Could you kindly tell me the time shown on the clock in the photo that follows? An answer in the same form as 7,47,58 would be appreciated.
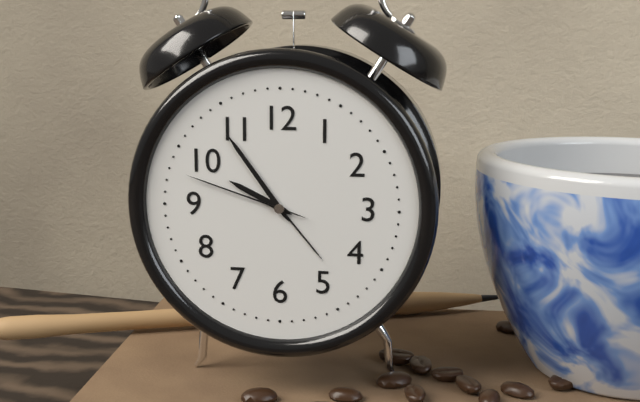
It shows 9,54,48
